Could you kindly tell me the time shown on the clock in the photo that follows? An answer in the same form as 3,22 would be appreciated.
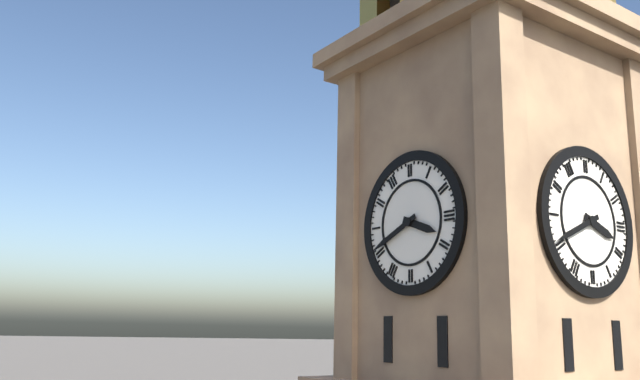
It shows 3,41
